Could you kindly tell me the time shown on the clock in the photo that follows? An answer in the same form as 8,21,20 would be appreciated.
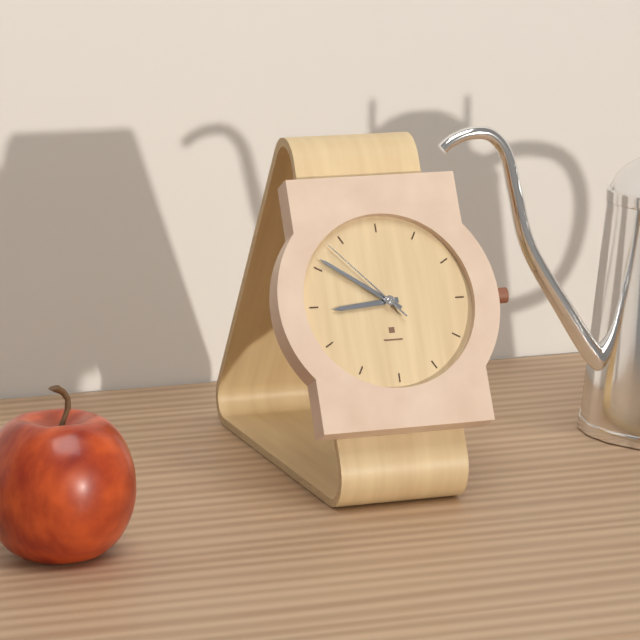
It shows 8,51,53
